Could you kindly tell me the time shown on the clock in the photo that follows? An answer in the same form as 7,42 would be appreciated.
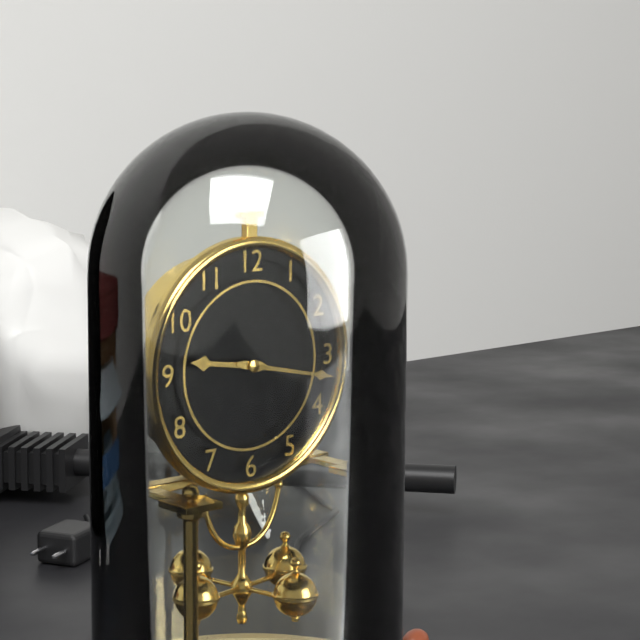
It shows 9,17
